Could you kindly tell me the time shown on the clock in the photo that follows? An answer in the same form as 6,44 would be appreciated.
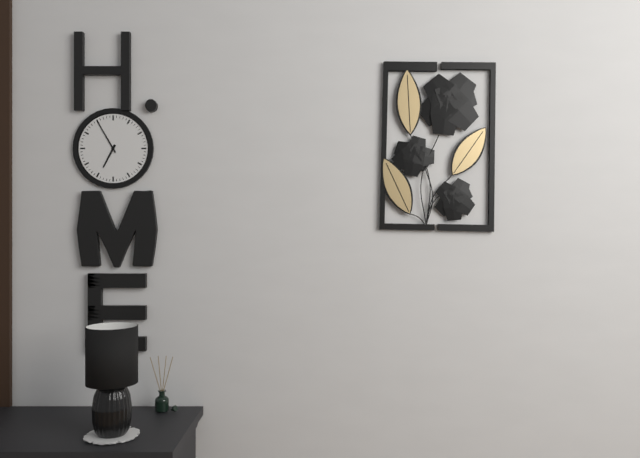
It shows 6,55
